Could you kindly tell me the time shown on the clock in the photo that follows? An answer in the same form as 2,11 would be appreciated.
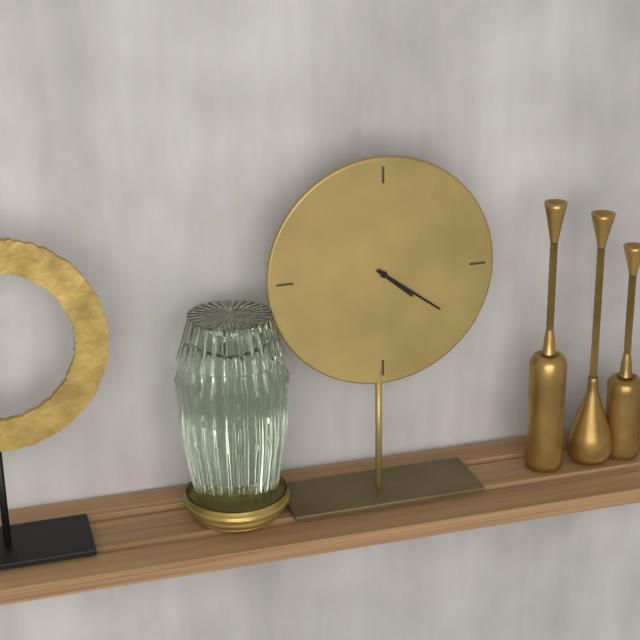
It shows 4,21
